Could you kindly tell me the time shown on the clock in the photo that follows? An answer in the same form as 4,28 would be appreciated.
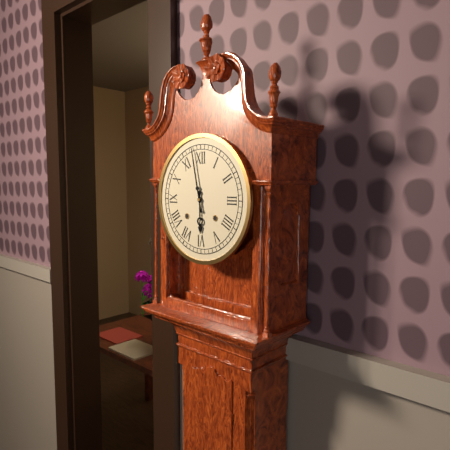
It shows 5,58
